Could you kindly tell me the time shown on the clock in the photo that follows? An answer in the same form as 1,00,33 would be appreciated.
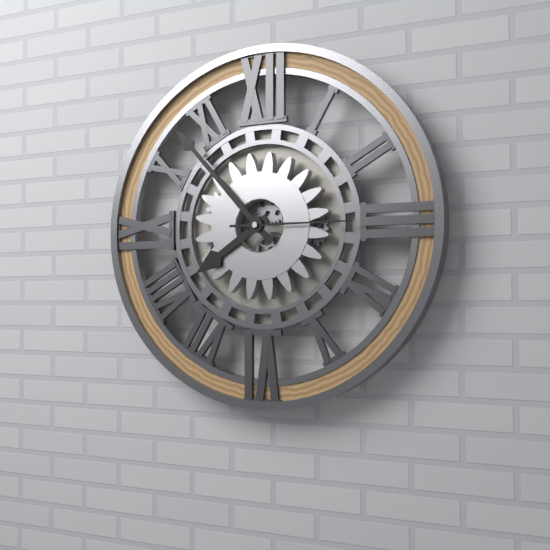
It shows 7,53,15
